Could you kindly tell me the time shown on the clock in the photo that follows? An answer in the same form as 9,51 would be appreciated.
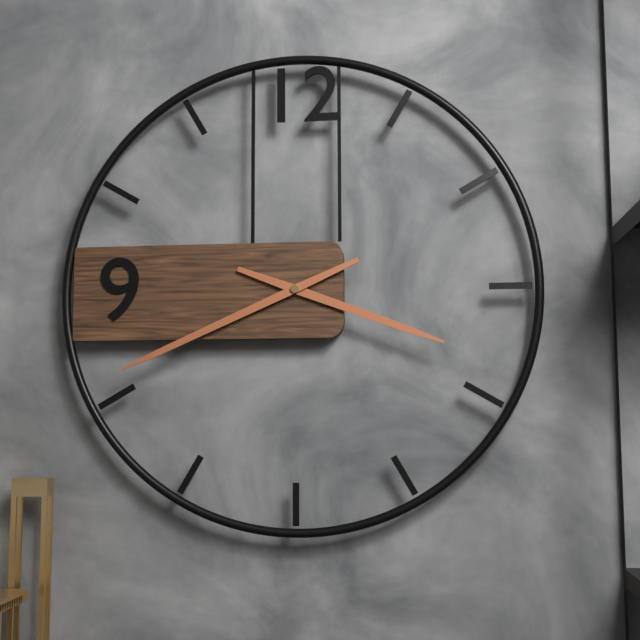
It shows 3,41
